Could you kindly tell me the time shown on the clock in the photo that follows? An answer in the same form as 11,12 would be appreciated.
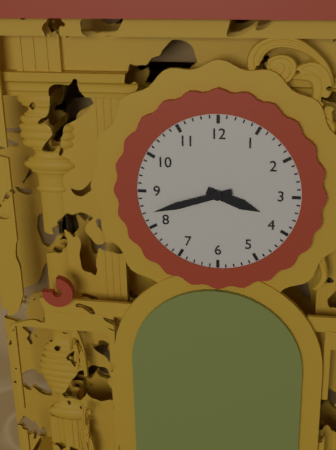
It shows 3,42
